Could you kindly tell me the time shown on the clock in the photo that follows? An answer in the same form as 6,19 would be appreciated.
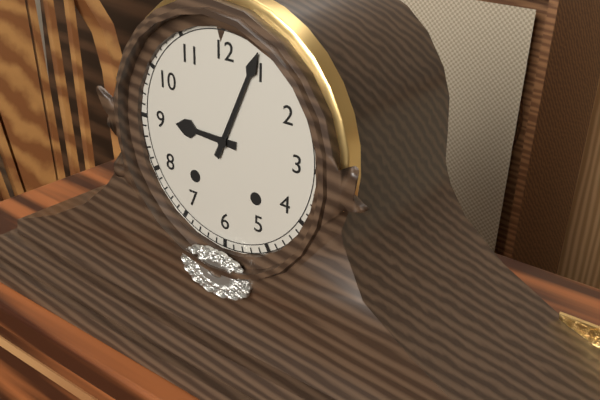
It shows 9,04
